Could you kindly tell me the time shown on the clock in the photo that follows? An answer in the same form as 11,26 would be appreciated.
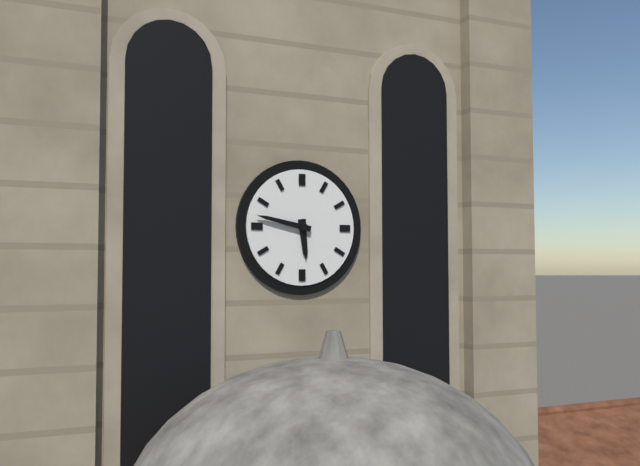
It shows 5,47
